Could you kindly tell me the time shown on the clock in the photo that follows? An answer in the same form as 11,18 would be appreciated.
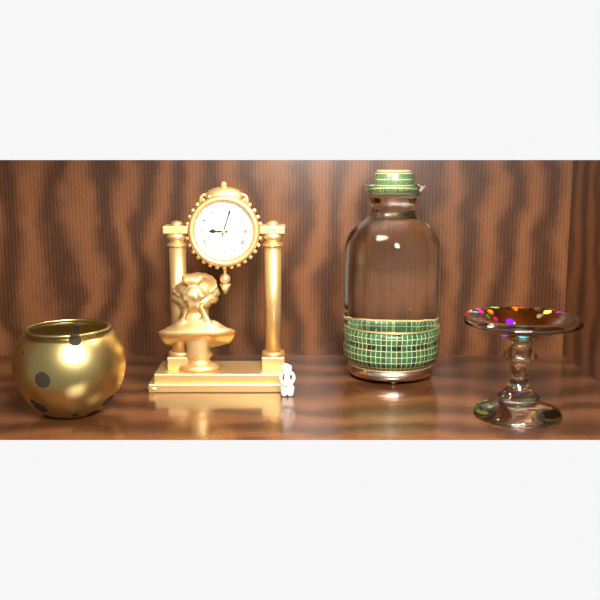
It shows 9,03
